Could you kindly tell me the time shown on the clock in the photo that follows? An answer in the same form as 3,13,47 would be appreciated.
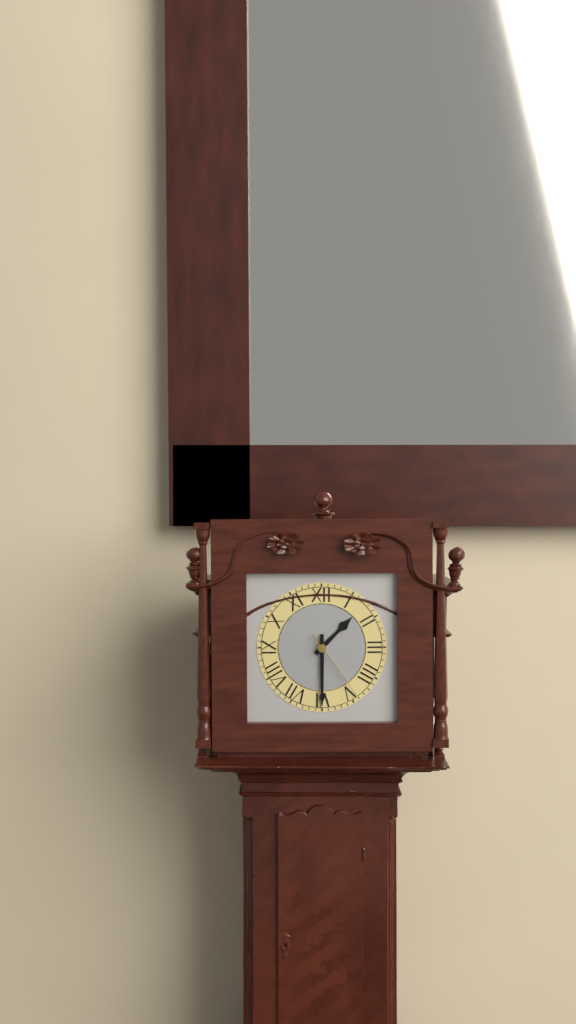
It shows 1,30,24
